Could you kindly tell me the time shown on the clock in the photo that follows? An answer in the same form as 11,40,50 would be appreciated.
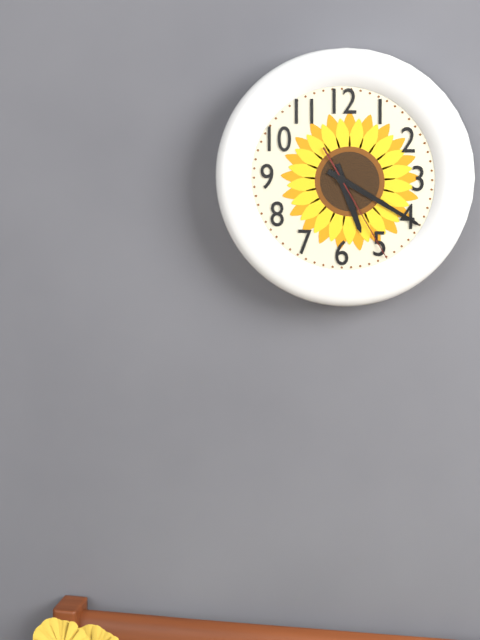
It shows 5,20,25
